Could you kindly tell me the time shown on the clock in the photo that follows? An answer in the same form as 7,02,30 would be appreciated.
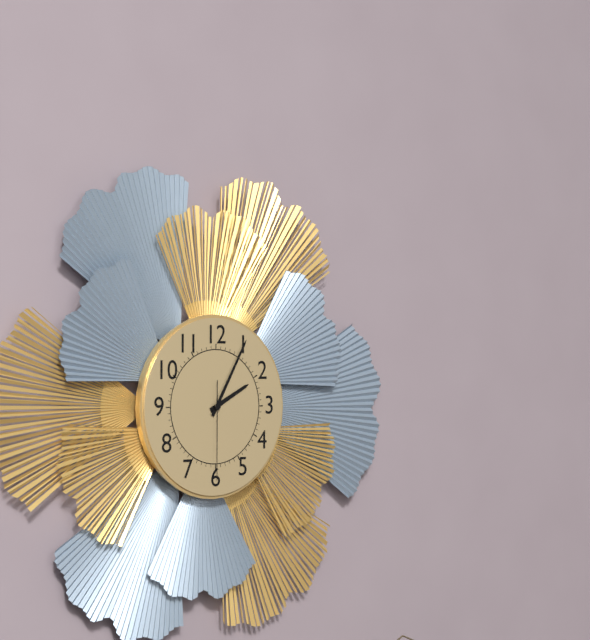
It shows 2,05,30
